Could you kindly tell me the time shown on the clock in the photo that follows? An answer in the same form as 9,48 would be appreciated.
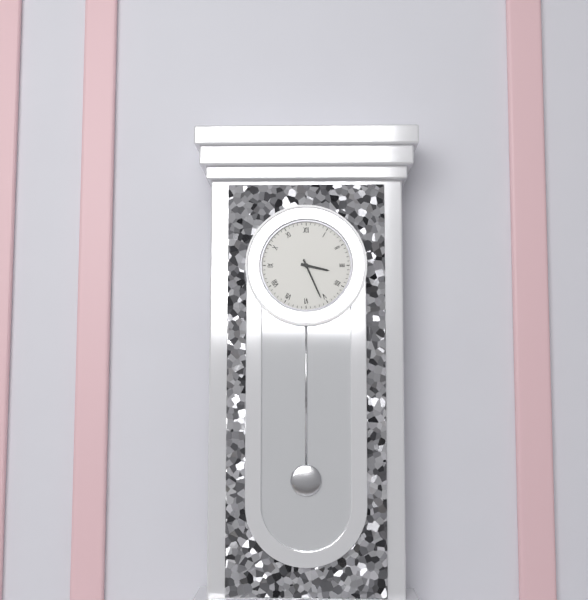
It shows 3,26
